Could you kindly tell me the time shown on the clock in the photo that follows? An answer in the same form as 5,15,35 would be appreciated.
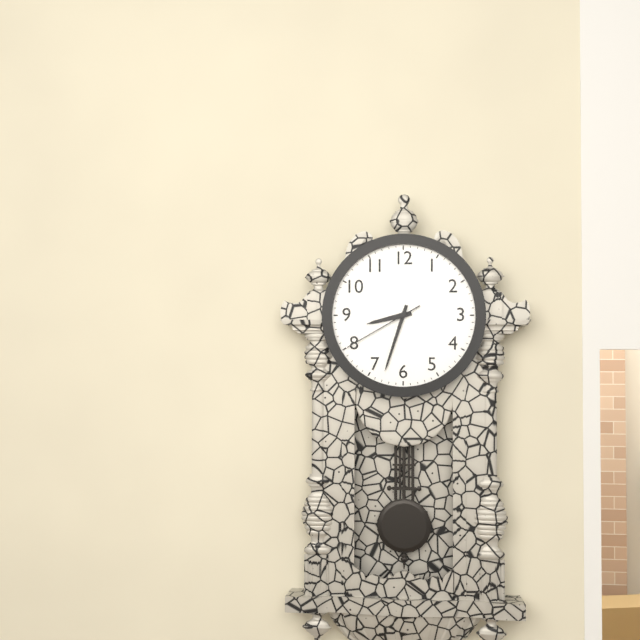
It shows 8,33,40
